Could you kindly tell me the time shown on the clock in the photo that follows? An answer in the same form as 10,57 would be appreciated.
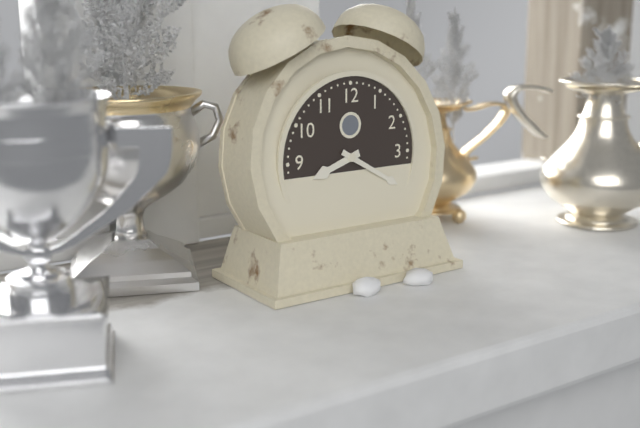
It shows 8,20
